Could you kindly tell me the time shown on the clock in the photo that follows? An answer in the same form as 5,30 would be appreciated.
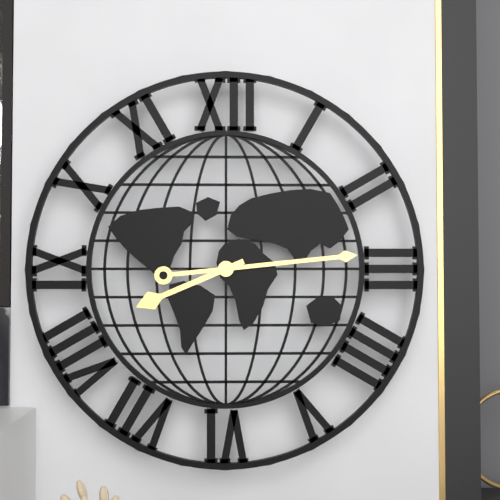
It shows 8,14
